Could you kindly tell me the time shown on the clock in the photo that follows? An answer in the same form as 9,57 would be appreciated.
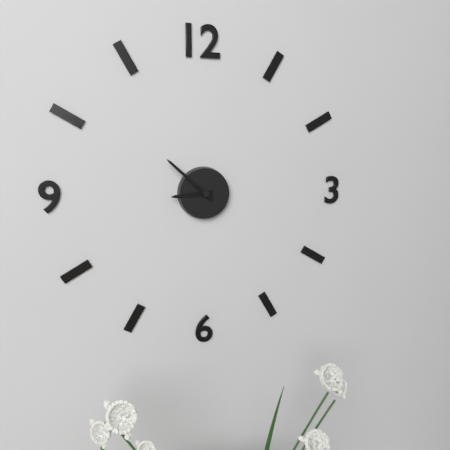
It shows 8,52
